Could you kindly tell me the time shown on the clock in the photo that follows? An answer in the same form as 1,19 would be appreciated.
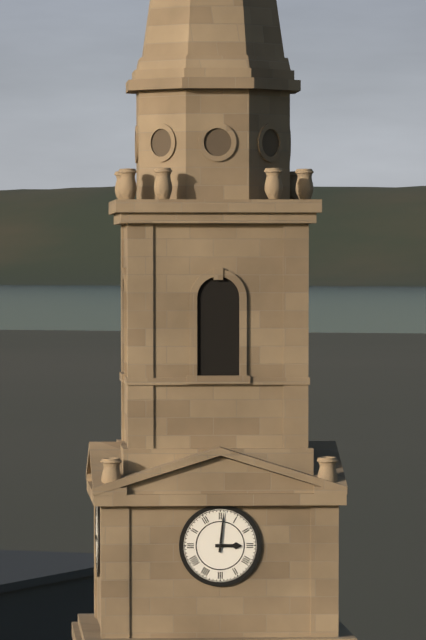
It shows 3,01
